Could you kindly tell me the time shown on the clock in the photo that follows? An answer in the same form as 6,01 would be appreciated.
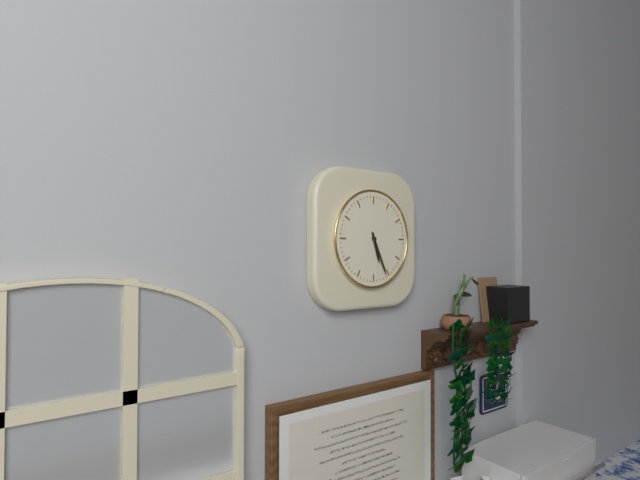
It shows 5,26
